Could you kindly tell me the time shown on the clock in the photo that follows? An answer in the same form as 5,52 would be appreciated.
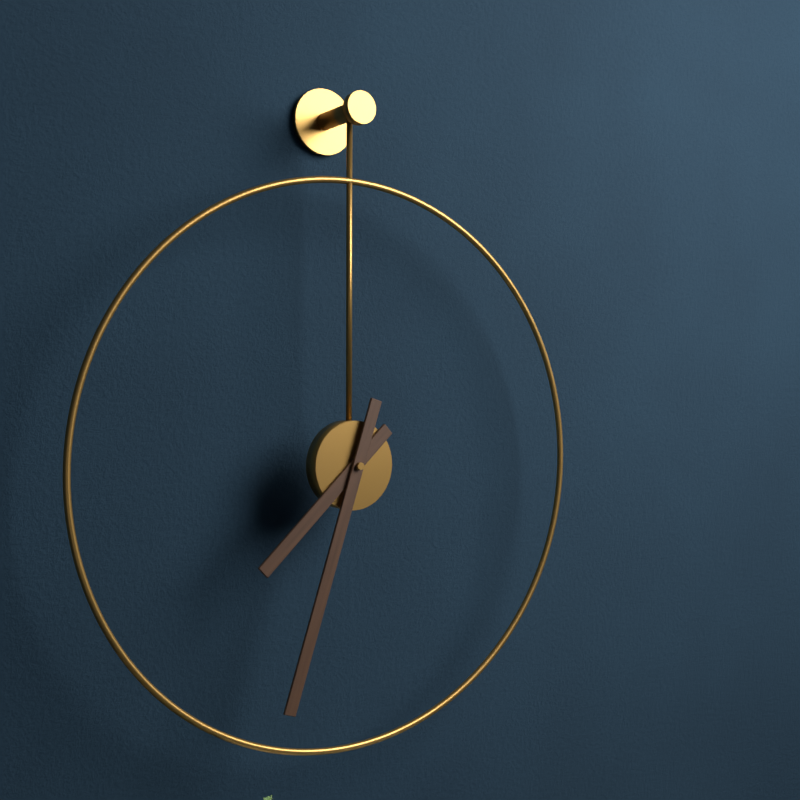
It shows 7,33
